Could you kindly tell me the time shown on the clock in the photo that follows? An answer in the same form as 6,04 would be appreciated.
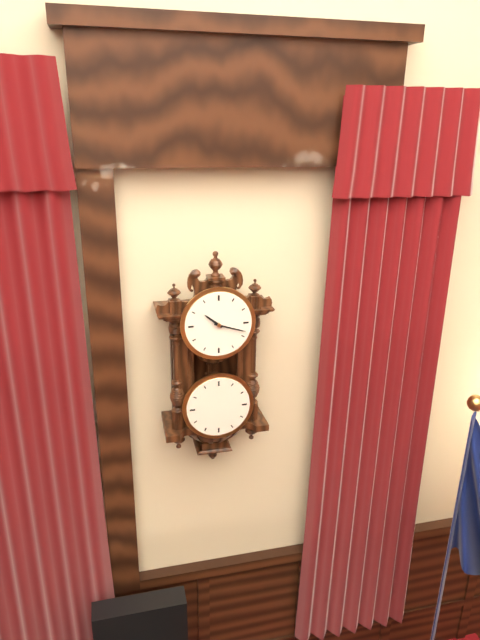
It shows 10,18
